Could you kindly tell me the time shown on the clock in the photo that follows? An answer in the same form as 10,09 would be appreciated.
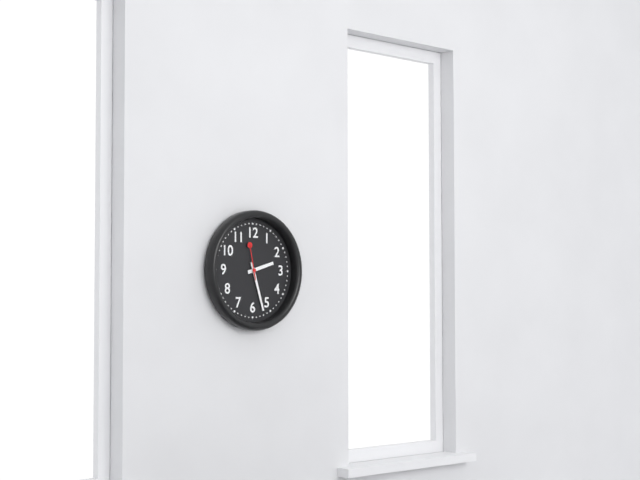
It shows 2,27
